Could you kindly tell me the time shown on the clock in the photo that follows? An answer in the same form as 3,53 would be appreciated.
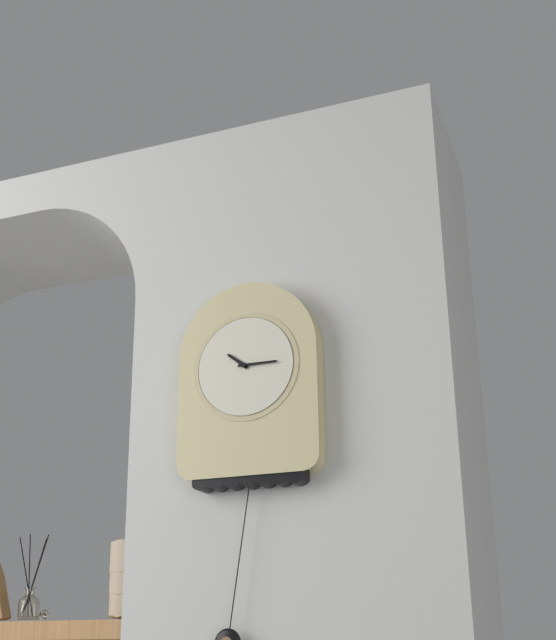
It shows 10,15
